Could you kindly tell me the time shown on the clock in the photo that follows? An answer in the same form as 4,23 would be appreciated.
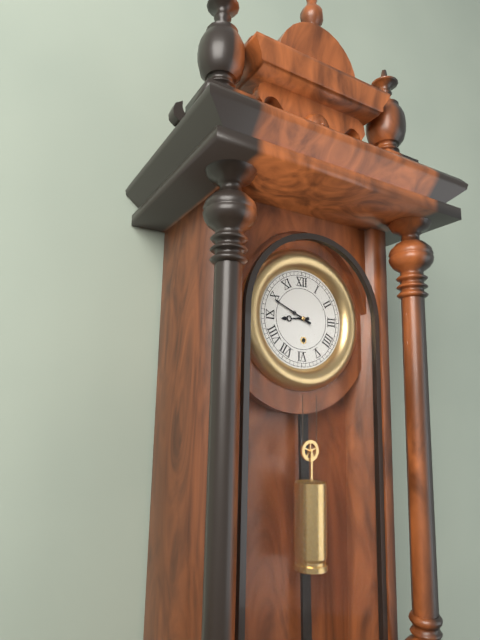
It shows 8,49
